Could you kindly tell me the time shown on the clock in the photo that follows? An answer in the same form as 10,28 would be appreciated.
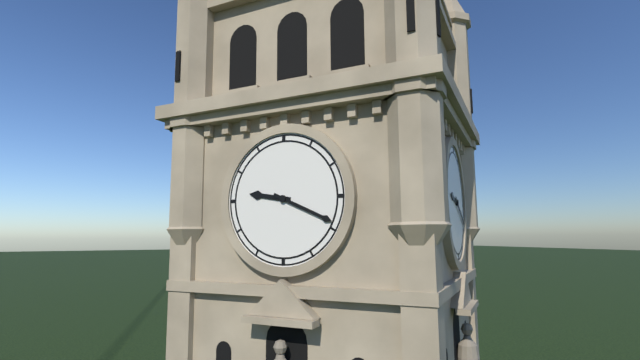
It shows 9,19
